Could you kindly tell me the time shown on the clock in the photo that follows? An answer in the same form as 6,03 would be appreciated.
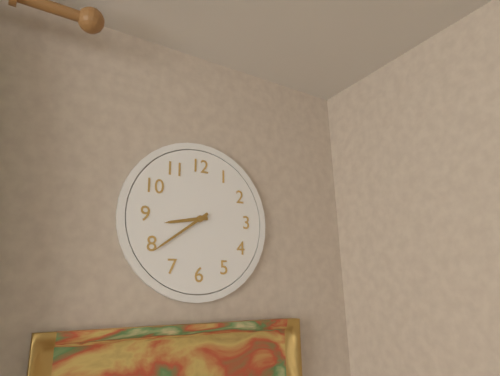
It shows 8,39
